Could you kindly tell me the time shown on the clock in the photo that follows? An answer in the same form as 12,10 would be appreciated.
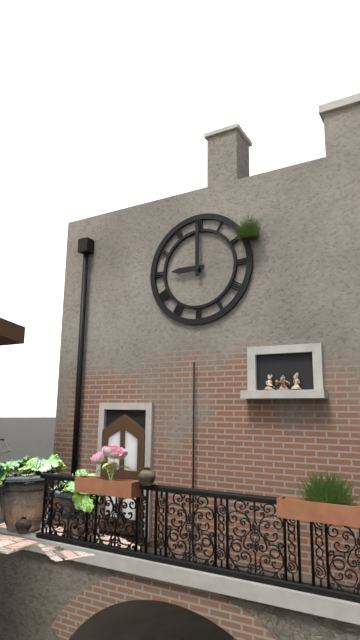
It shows 9,00
